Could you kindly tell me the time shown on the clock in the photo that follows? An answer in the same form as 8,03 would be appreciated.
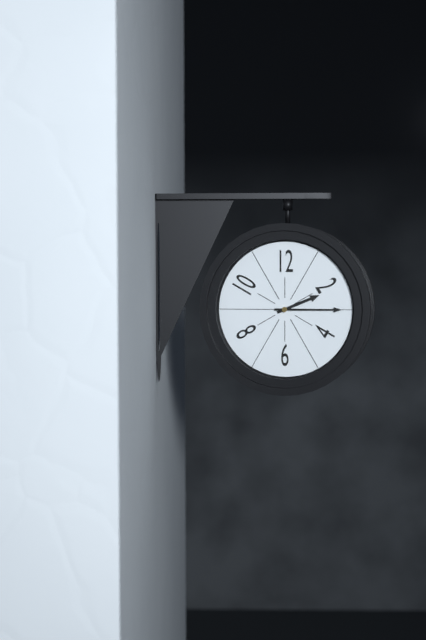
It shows 2,15
